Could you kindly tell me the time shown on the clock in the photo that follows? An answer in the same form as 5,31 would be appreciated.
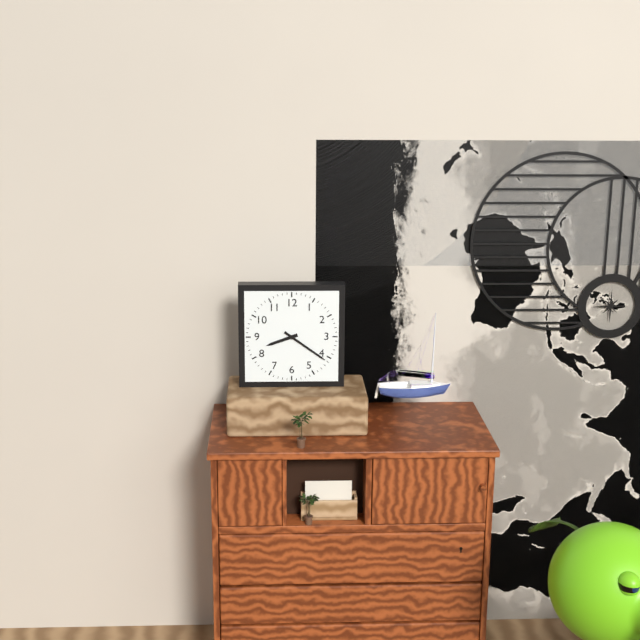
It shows 8,21
